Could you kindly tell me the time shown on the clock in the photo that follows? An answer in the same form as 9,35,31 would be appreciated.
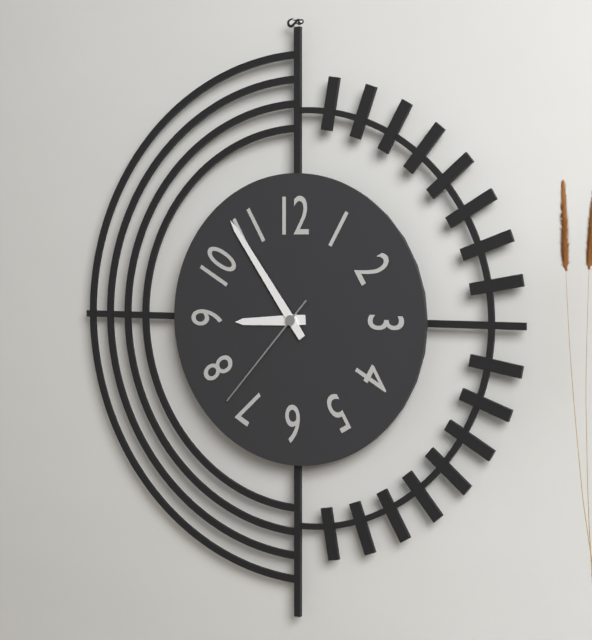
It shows 8,54,37
